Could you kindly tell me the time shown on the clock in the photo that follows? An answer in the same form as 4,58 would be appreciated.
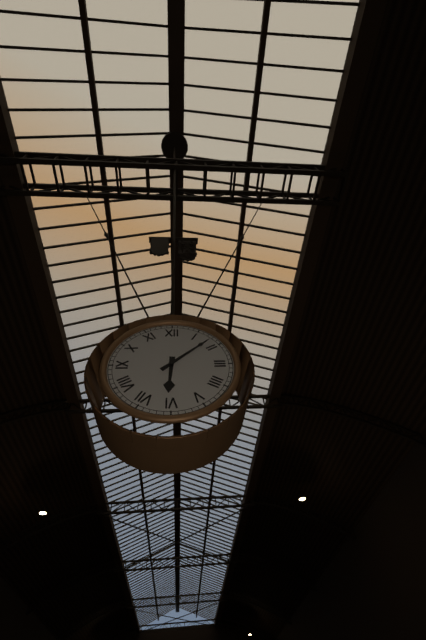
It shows 6,08
